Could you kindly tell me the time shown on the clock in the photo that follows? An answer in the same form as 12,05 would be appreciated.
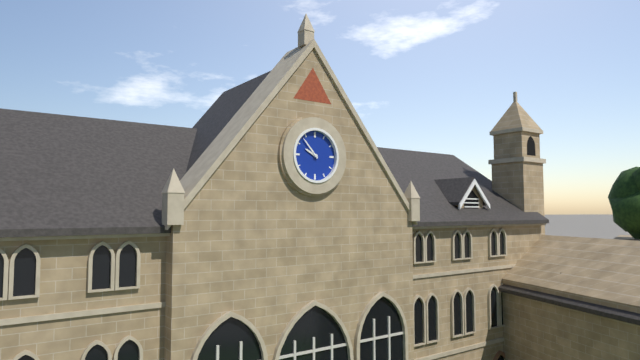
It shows 9,53
